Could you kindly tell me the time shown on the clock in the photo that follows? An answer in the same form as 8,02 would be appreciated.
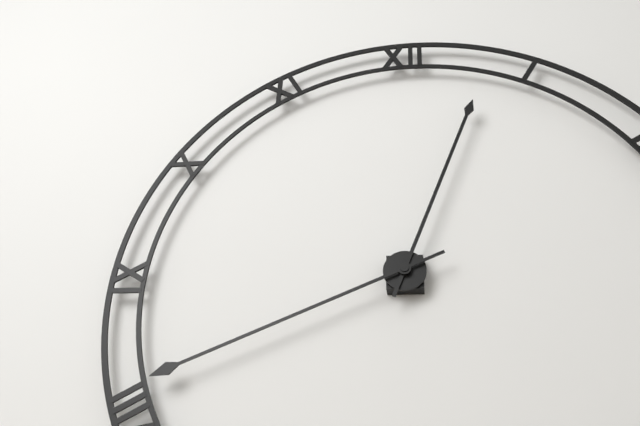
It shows 12,41
